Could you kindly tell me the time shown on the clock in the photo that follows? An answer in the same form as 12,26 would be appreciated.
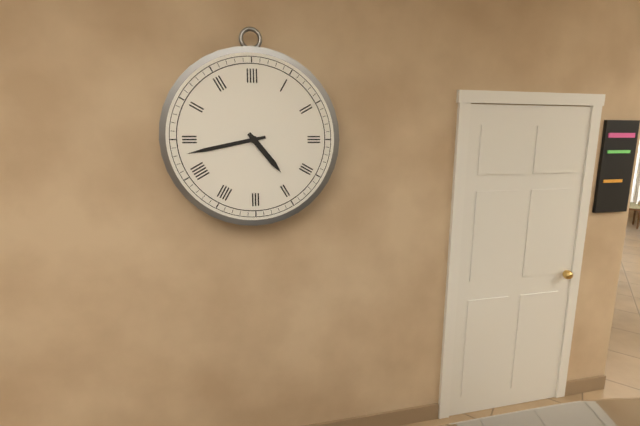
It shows 4,43
